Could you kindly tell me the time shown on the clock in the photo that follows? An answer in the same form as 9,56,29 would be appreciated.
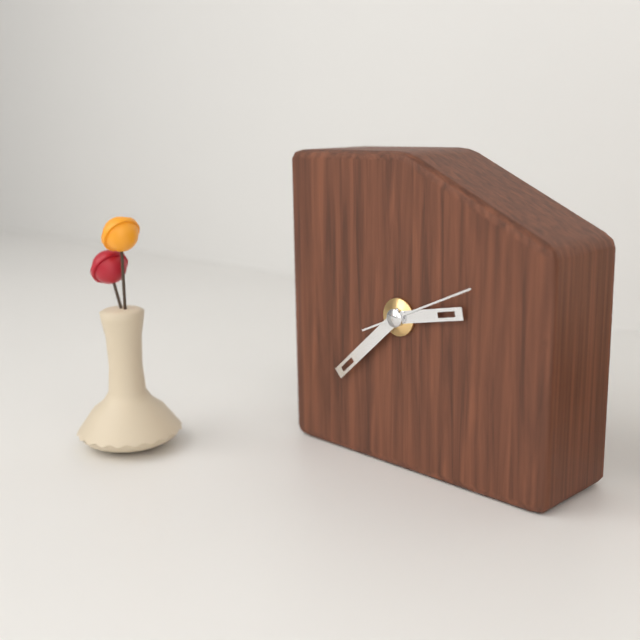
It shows 2,38,11
